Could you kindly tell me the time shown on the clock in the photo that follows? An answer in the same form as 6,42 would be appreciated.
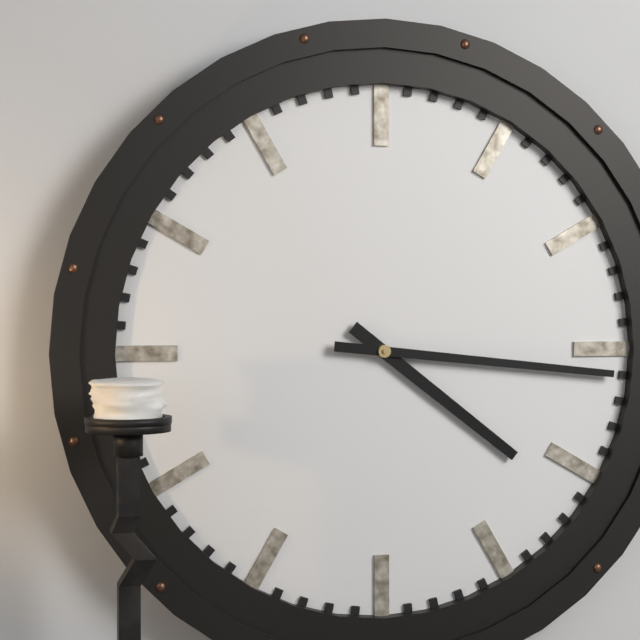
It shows 4,16
